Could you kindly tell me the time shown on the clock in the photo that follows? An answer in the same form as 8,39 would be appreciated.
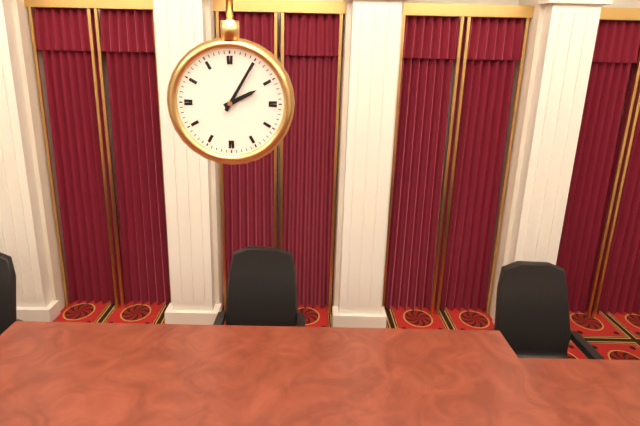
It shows 2,05
